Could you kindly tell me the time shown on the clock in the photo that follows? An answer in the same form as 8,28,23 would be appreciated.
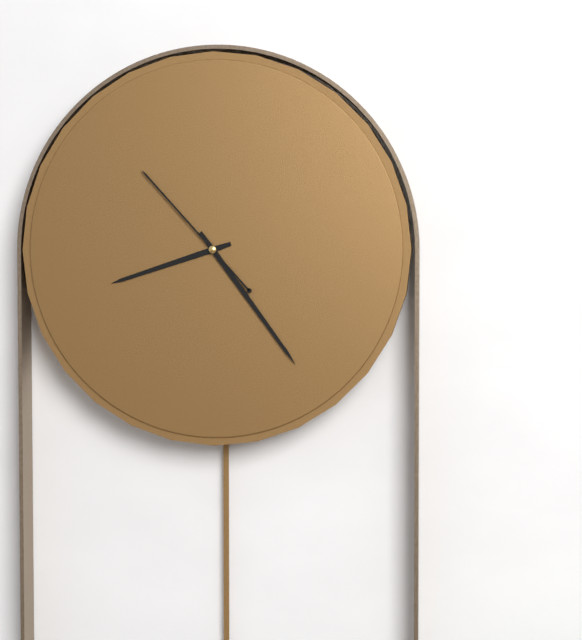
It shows 8,24,53
